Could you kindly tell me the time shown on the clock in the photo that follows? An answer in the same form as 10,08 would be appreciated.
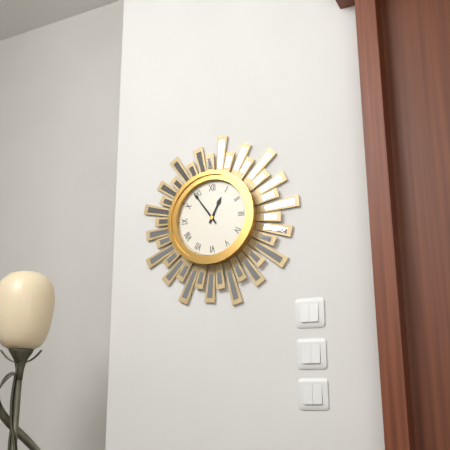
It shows 12,54
